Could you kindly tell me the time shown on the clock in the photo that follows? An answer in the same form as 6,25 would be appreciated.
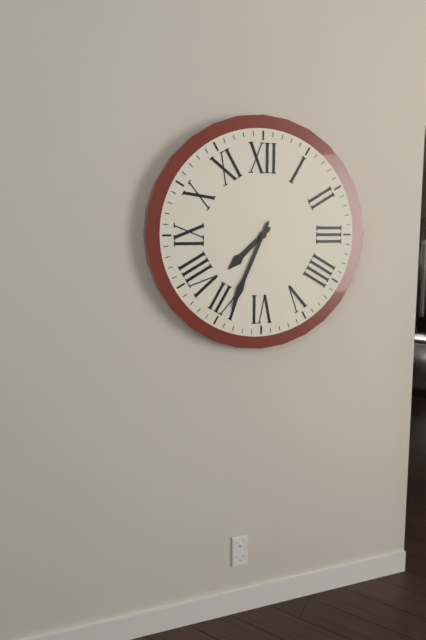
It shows 7,34
